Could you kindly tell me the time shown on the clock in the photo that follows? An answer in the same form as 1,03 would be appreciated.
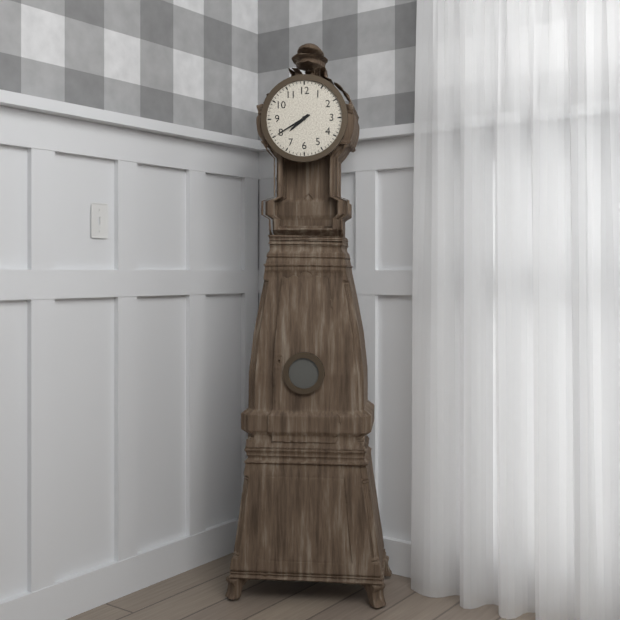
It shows 7,40
